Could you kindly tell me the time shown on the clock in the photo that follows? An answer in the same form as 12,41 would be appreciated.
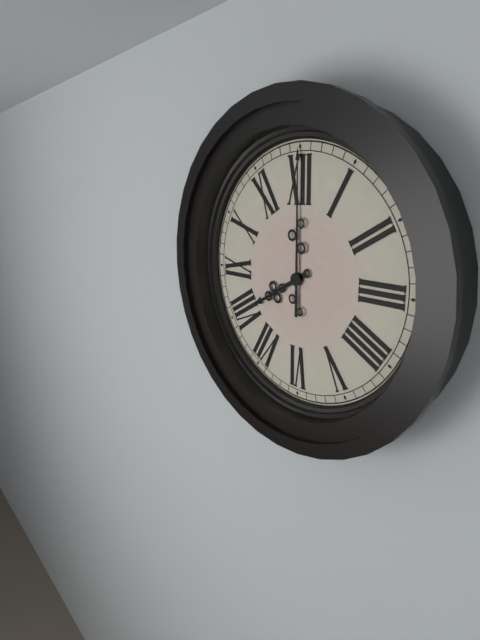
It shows 8,00
